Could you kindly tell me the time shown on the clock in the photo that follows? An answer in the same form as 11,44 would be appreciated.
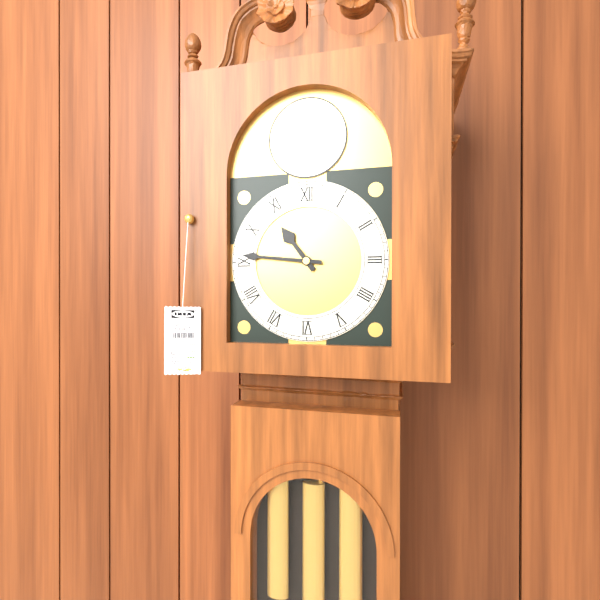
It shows 10,46
